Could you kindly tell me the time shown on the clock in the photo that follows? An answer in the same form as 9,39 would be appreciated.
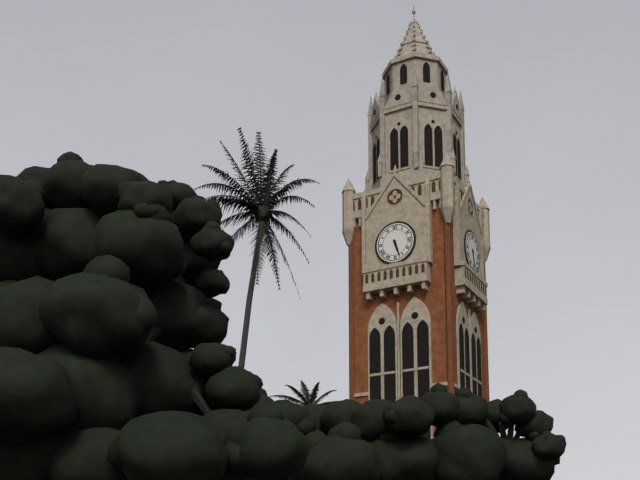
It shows 5,27
